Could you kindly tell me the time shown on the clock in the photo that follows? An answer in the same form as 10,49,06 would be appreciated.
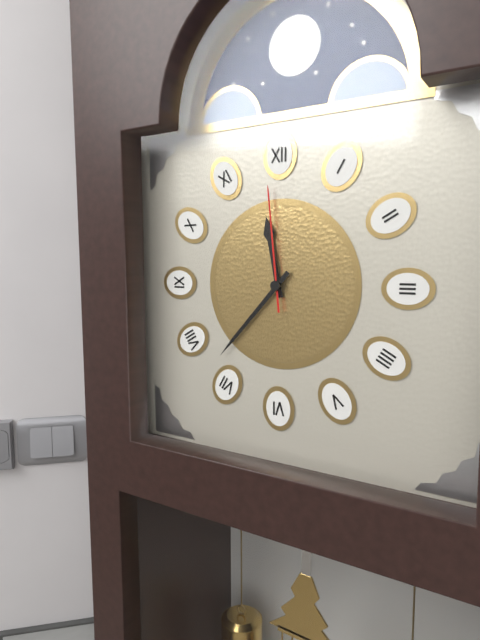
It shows 11,37,59
